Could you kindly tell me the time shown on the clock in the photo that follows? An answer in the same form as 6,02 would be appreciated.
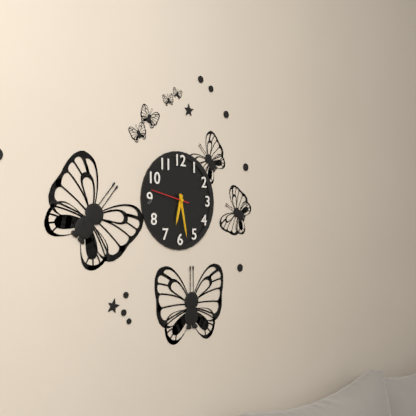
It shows 6,28
